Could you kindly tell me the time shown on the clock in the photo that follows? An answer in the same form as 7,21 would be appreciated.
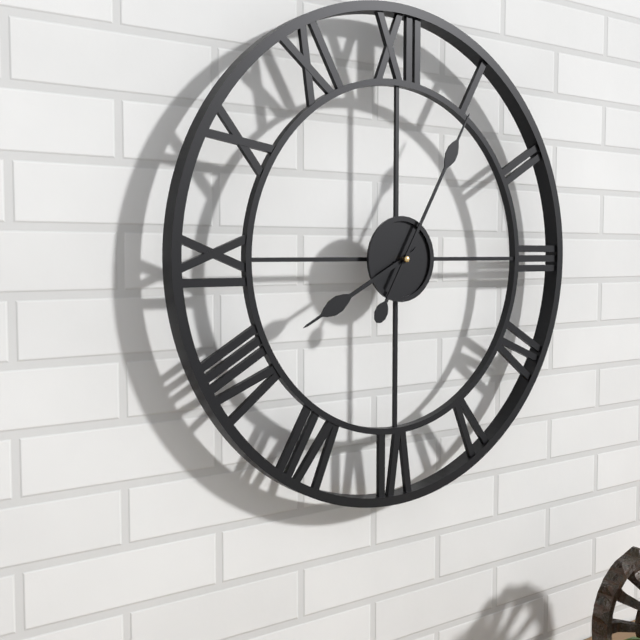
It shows 8,05
